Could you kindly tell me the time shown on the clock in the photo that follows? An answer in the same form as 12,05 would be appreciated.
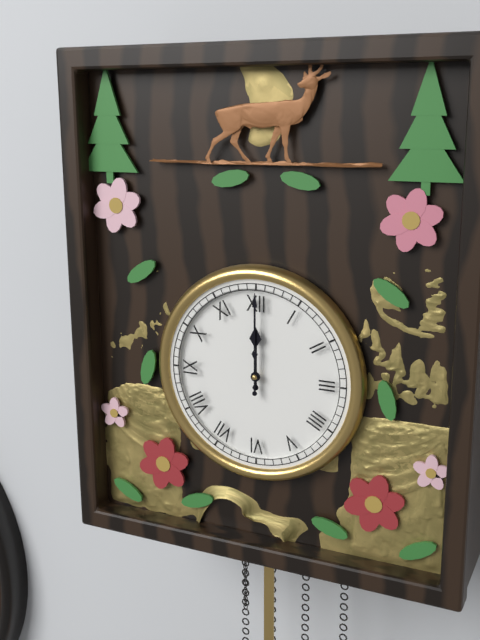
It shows 12,00
